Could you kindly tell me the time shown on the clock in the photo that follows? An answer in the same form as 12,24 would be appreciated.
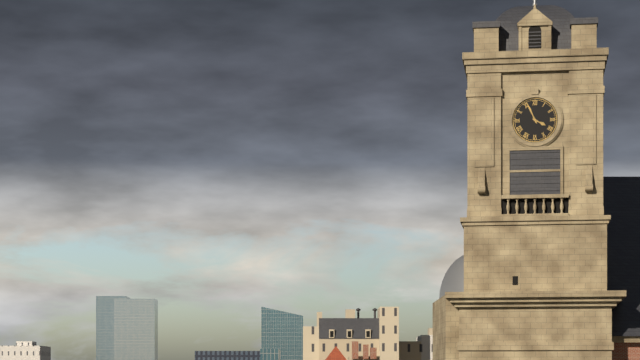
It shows 3,56
